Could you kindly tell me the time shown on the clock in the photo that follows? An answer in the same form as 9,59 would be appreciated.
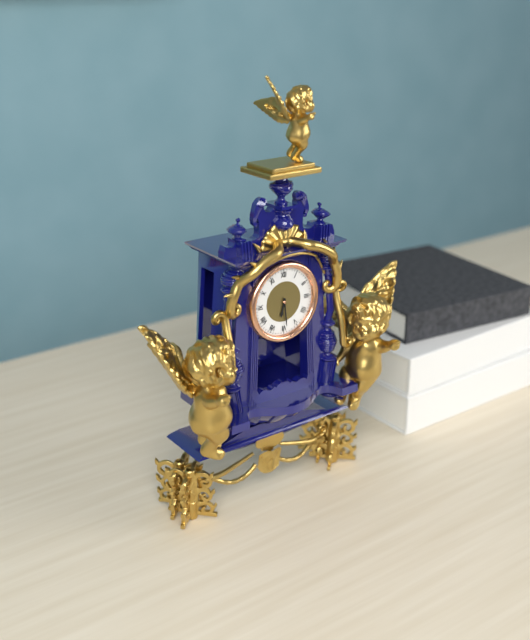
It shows 6,29
